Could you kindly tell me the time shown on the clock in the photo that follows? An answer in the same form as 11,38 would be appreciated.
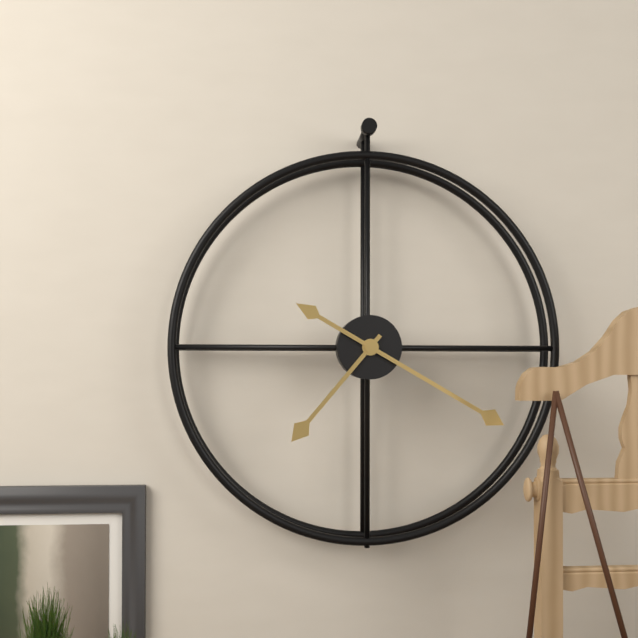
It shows 7,20
